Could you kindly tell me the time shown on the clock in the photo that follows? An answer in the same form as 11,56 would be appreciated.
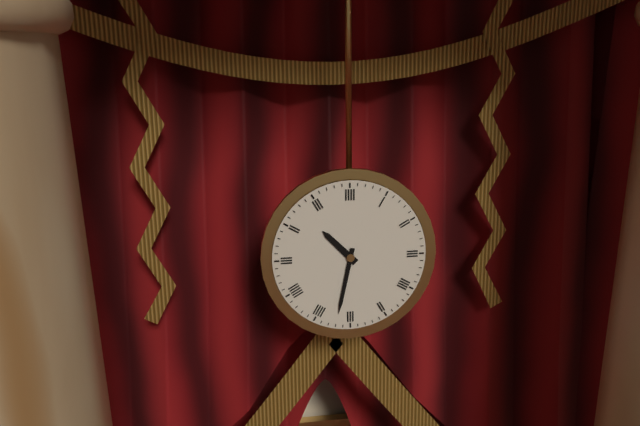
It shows 10,32
